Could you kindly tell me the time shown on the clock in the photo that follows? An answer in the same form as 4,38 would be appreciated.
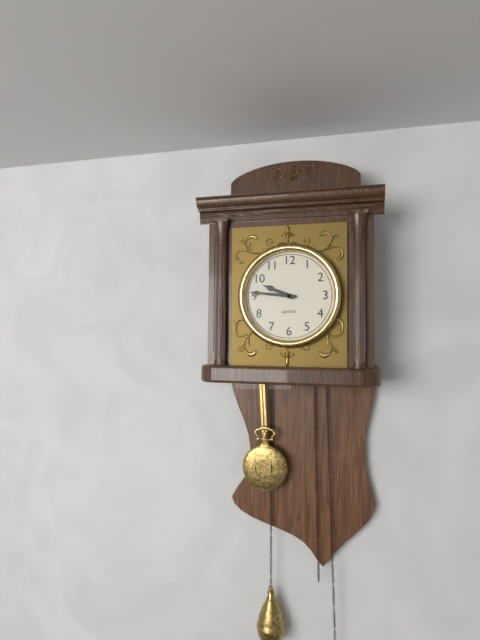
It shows 9,46
